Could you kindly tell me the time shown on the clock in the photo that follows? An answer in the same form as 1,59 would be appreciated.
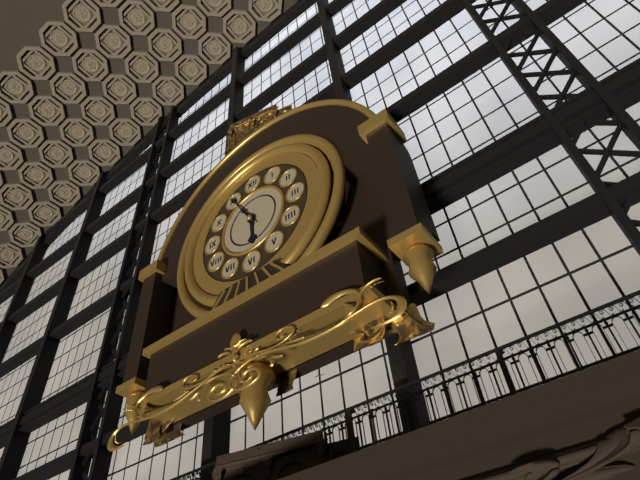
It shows 5,55
